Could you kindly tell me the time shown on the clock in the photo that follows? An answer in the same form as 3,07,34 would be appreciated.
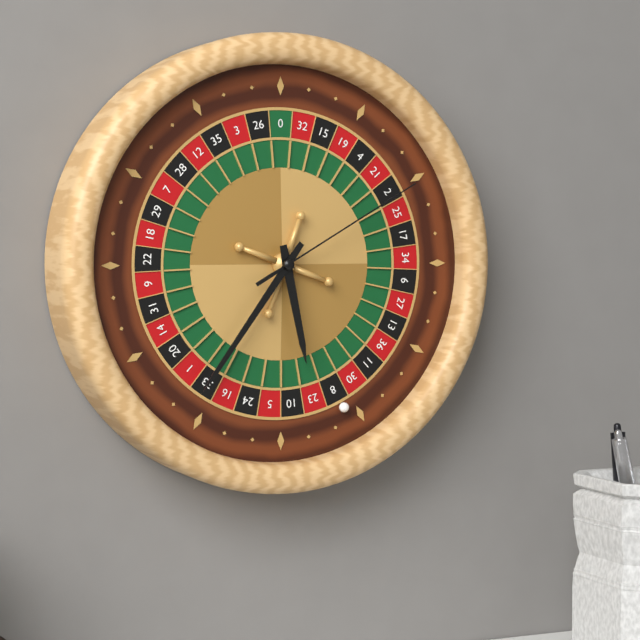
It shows 5,36,10
